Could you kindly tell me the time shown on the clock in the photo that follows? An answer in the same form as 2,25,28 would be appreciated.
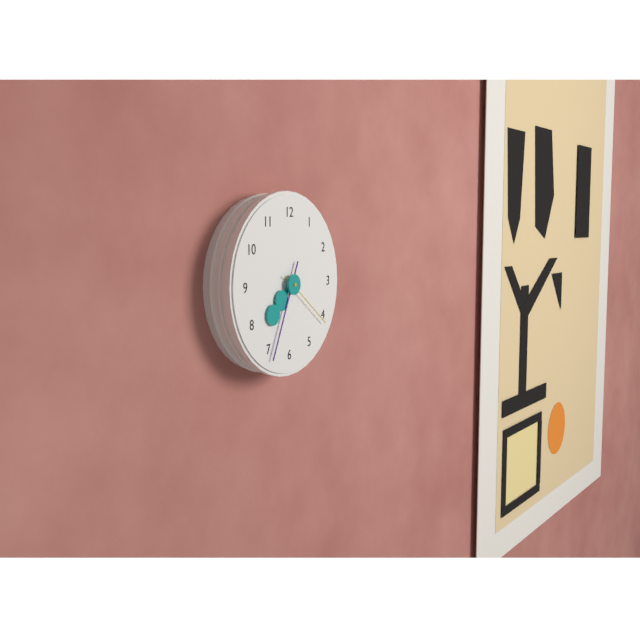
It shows 7,34,21
